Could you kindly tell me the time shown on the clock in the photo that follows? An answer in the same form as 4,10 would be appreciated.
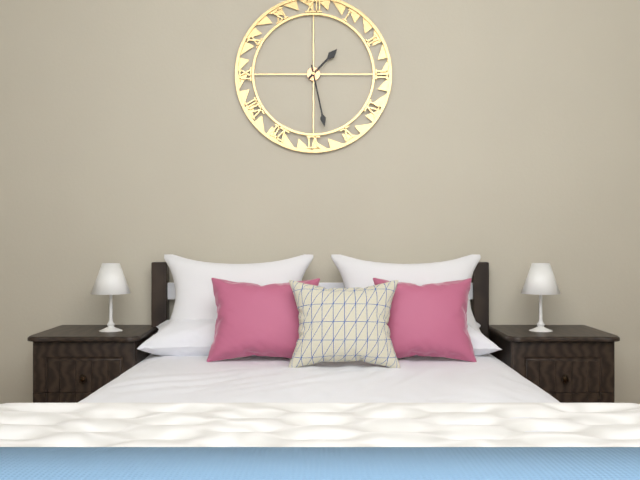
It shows 1,28
